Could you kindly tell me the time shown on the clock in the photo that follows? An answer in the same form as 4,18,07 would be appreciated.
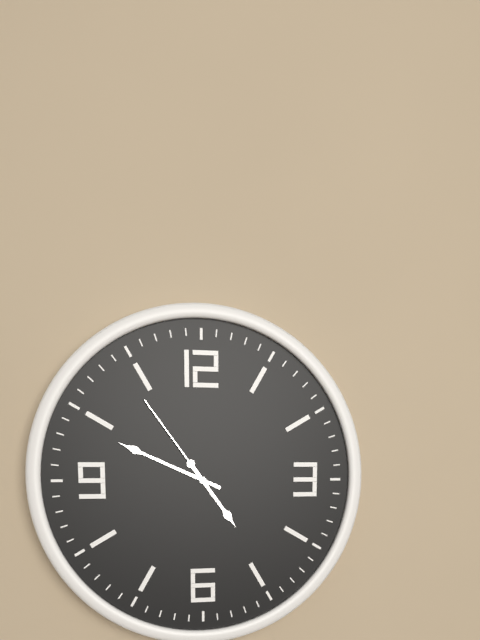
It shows 4,49,54
